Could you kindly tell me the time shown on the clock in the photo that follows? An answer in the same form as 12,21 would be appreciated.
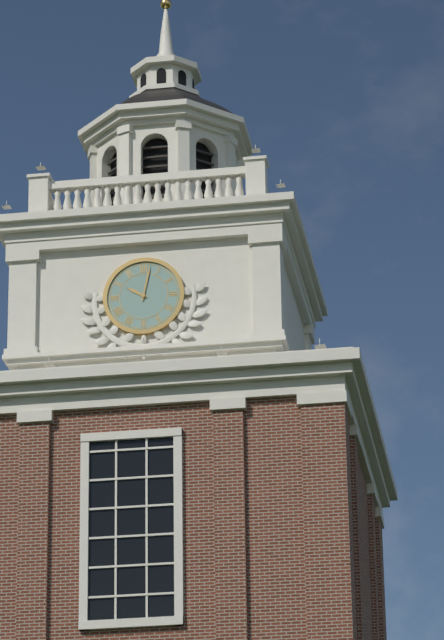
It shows 10,02
